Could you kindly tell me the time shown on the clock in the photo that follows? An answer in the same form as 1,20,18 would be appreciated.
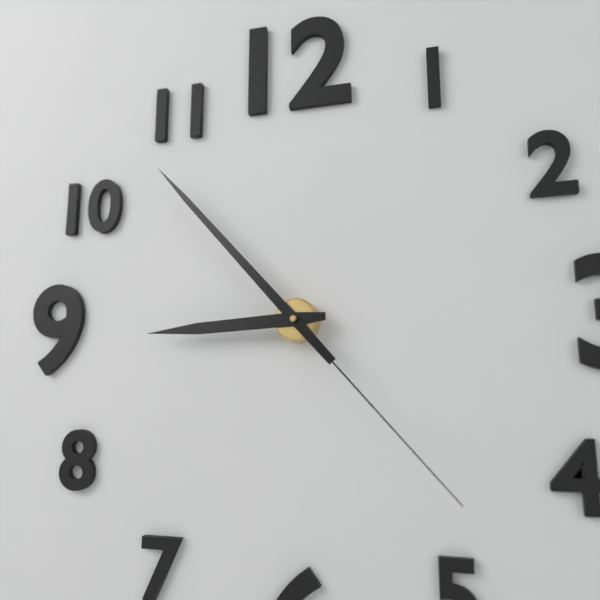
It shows 8,53,23
